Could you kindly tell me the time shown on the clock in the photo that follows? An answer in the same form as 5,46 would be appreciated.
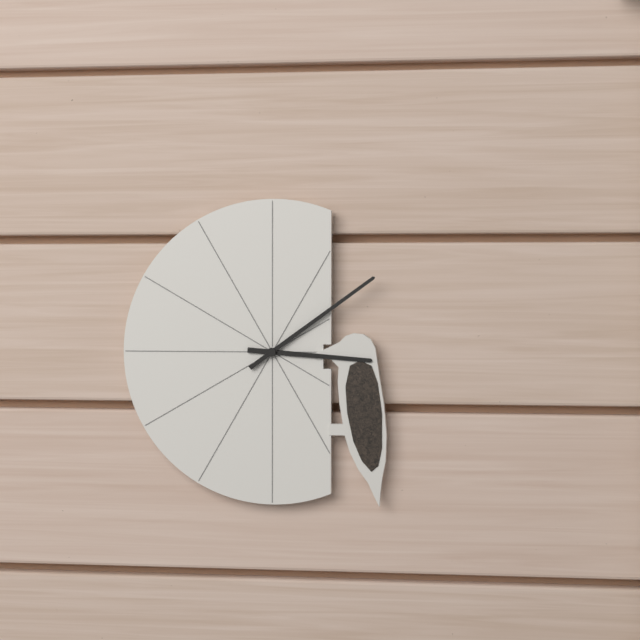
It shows 3,09
